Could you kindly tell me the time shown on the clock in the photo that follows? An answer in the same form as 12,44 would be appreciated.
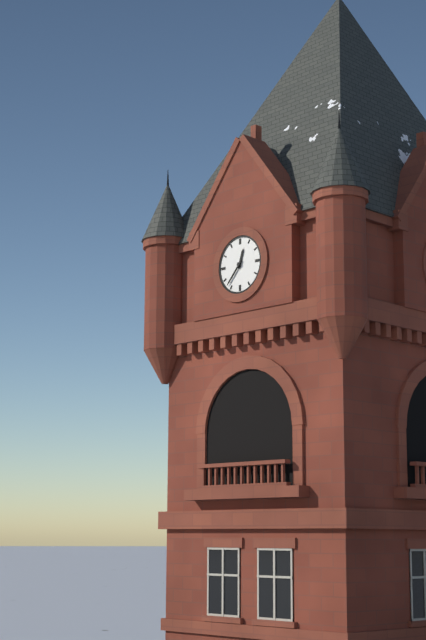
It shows 12,37
